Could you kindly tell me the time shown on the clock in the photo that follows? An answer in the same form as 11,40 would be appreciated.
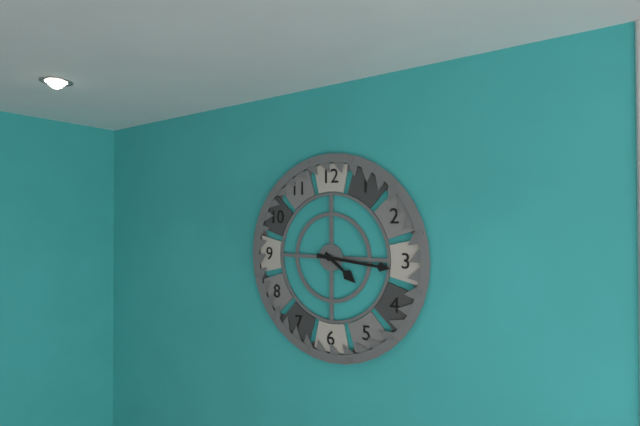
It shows 4,16
